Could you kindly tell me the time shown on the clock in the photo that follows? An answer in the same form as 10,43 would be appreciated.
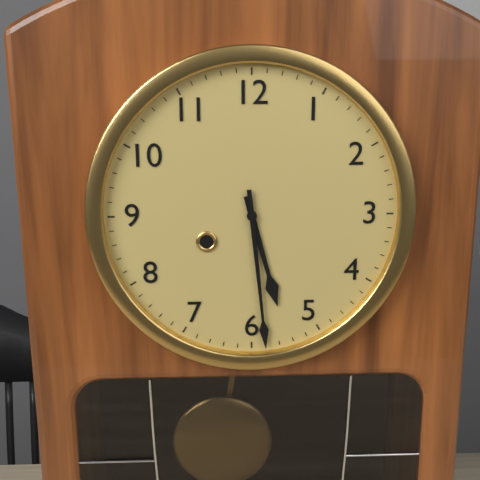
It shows 5,29
